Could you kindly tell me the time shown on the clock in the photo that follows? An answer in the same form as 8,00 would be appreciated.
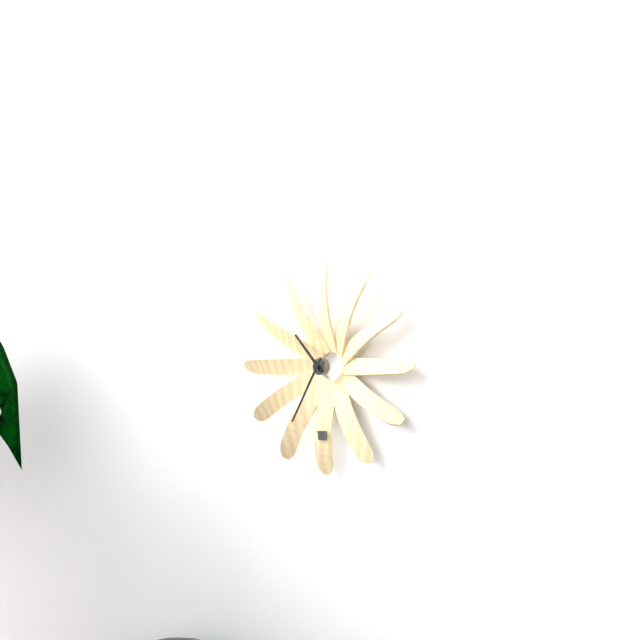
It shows 10,35
